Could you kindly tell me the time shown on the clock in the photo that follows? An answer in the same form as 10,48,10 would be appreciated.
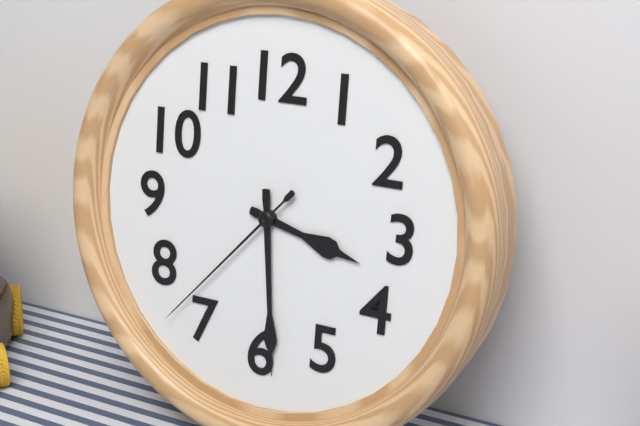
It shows 3,29,37
